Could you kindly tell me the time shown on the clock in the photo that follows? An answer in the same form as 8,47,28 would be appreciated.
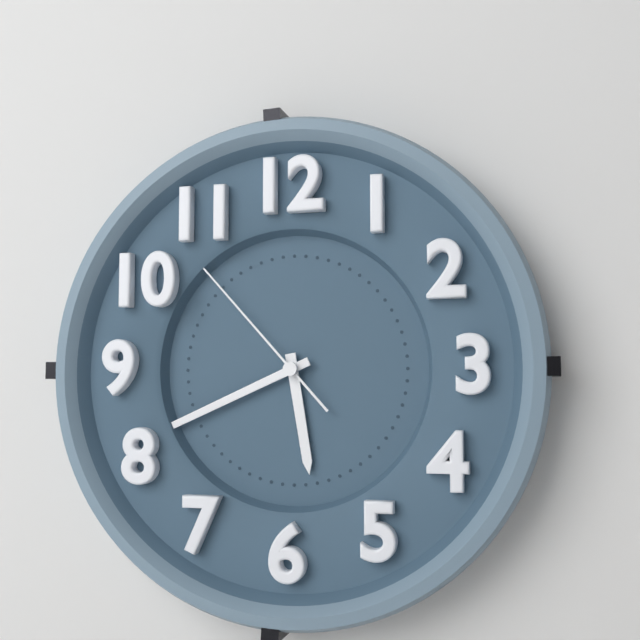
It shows 5,41,53
